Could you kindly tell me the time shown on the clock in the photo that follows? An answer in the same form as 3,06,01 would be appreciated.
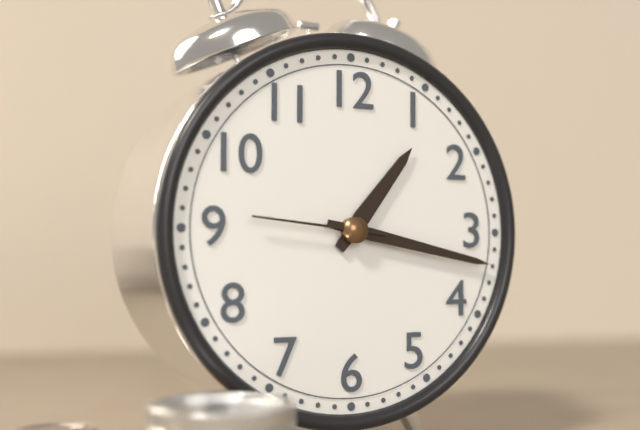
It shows 1,17,46
